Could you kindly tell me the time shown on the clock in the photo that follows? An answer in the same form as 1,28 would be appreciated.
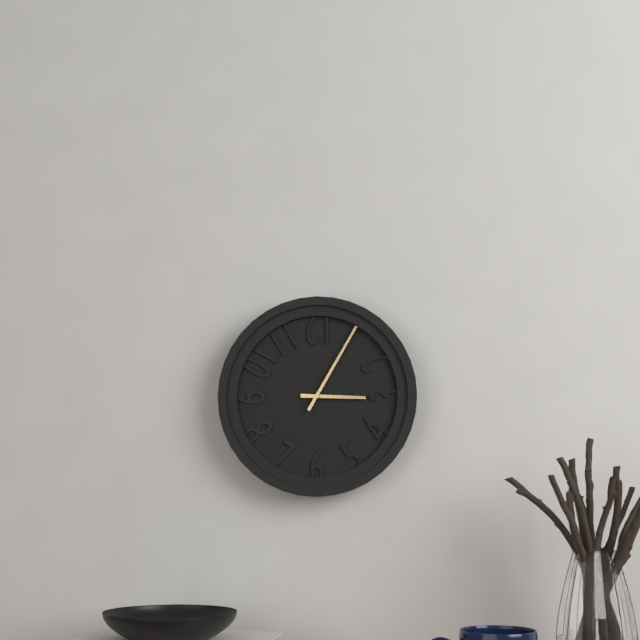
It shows 3,05
